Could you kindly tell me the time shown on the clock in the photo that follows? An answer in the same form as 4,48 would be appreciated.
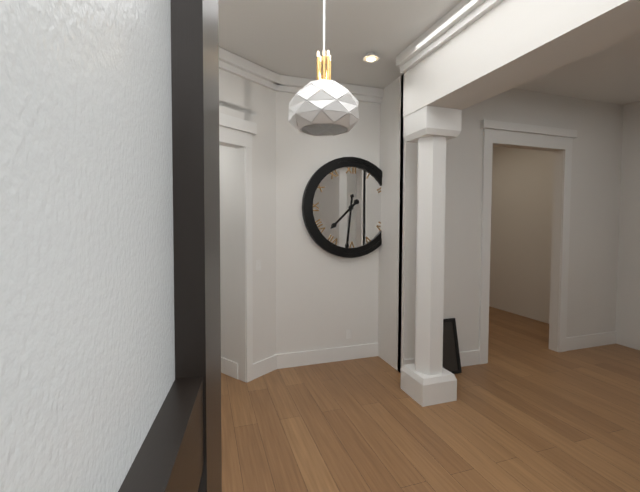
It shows 7,31
